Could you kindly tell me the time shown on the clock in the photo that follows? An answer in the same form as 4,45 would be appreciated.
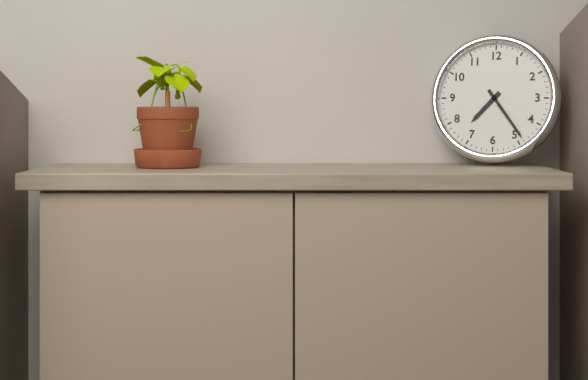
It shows 7,24
